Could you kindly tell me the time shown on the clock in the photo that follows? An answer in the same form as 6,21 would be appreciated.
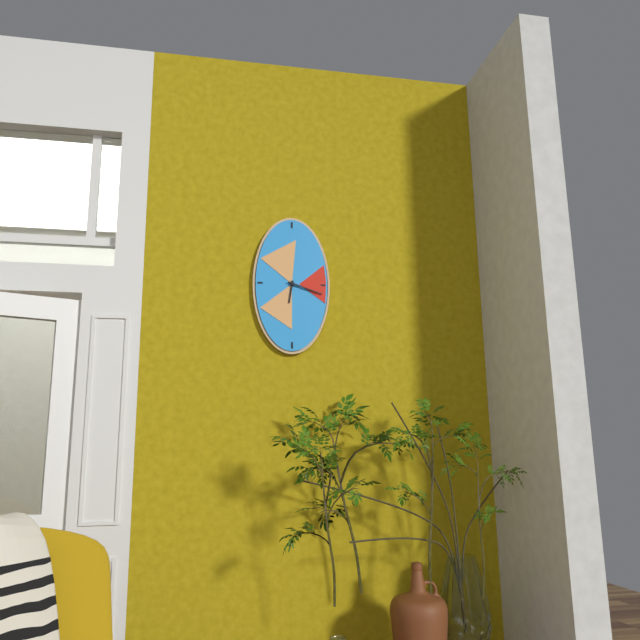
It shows 6,18
